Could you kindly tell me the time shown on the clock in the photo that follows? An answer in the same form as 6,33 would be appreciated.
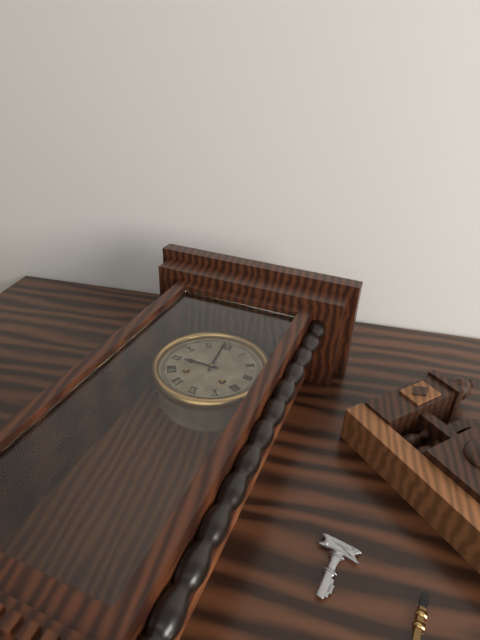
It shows 8,59
